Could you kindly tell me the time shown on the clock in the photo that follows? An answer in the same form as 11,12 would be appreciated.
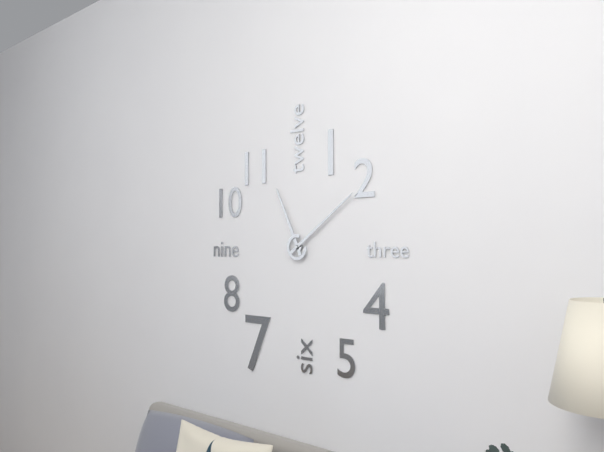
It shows 11,09
